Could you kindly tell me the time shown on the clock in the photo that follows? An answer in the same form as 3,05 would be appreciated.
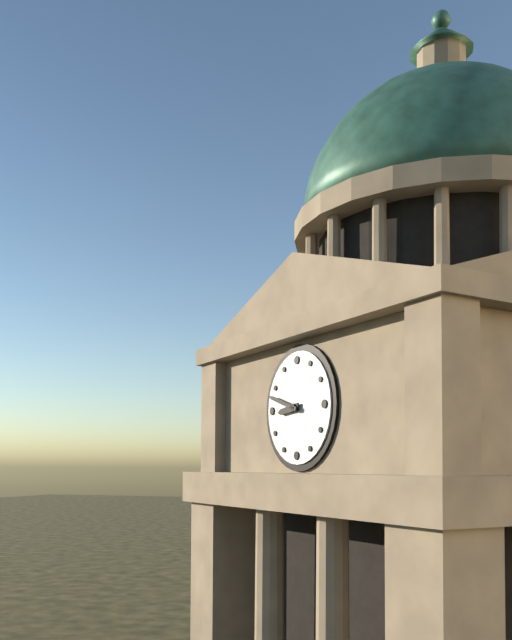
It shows 8,48
